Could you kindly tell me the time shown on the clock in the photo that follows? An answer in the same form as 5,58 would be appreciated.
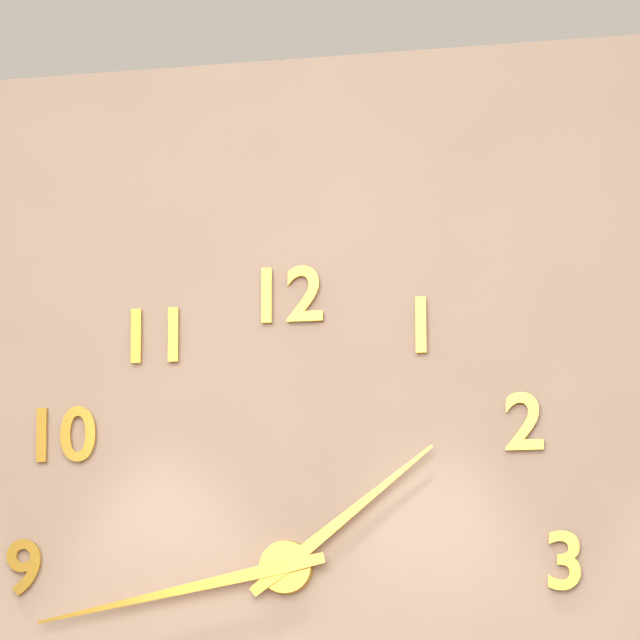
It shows 1,43
